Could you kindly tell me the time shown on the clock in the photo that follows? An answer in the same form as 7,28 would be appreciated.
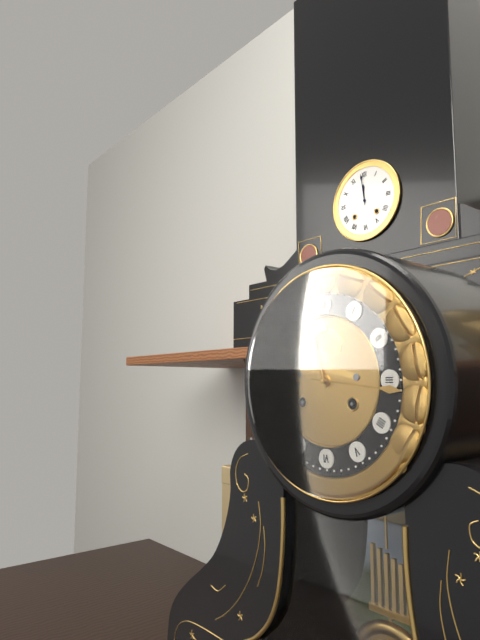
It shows 11,16
